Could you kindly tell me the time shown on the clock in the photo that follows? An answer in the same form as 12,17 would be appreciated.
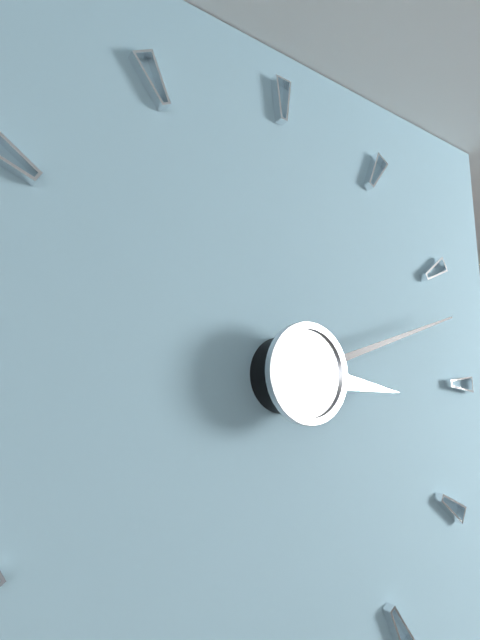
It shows 3,12
